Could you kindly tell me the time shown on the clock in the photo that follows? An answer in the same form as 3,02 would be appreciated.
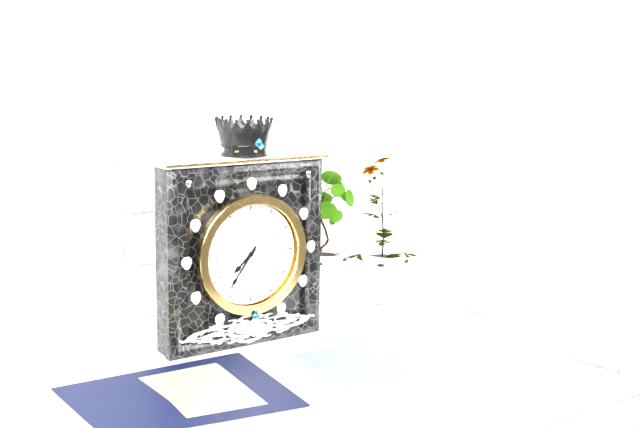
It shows 7,36
